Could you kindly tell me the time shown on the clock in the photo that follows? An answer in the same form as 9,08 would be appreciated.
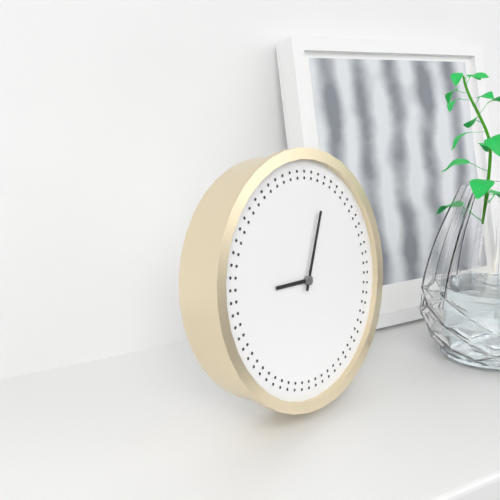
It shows 9,04
